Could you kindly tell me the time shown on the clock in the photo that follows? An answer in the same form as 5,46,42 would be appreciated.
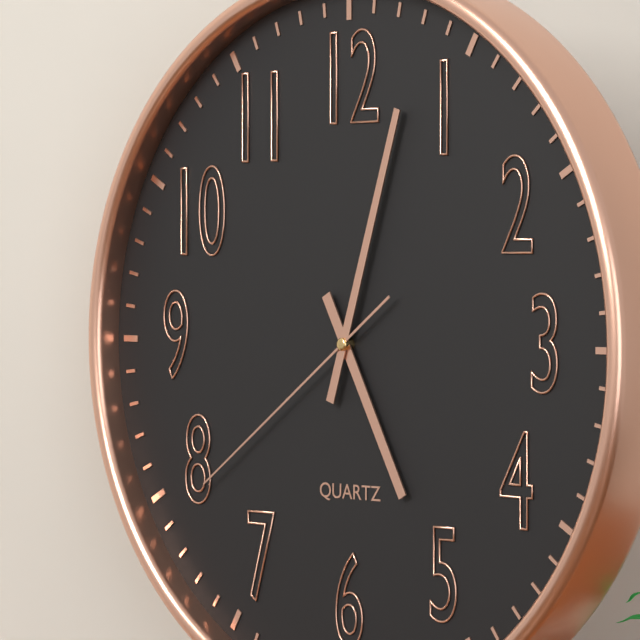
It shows 5,03,39
